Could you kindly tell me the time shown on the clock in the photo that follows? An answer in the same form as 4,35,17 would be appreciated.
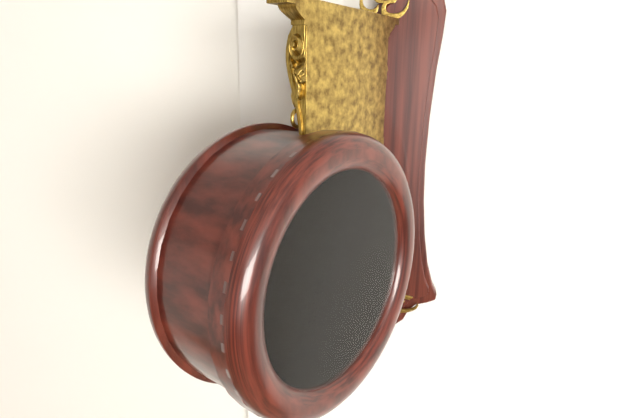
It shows 9,24,16
